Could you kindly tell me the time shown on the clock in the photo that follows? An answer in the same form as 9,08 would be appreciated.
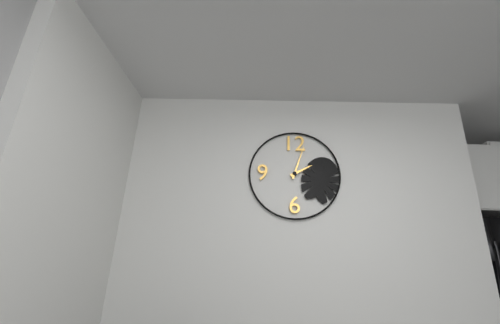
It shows 2,03
